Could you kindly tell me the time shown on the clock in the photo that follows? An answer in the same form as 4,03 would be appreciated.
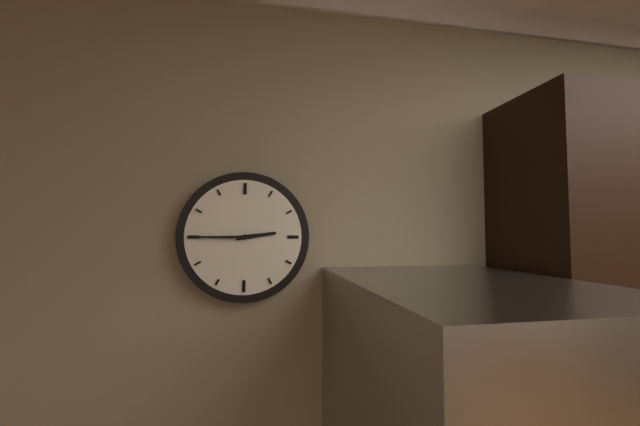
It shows 2,45
